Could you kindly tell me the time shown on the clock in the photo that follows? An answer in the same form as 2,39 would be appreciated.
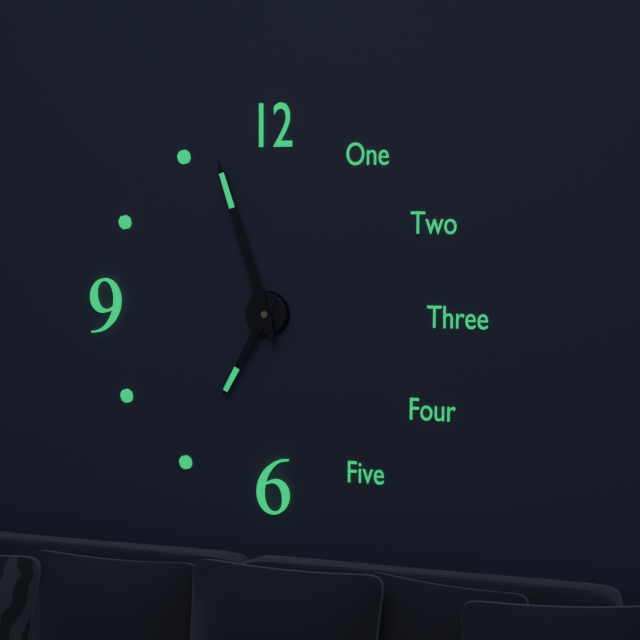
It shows 6,57
